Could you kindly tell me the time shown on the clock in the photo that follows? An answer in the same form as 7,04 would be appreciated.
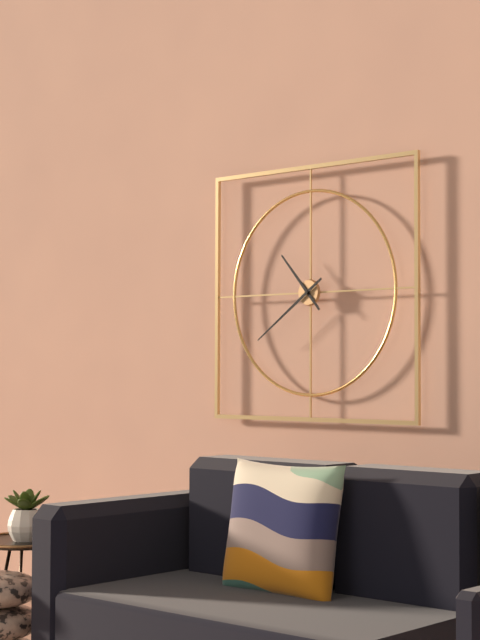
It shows 10,39
